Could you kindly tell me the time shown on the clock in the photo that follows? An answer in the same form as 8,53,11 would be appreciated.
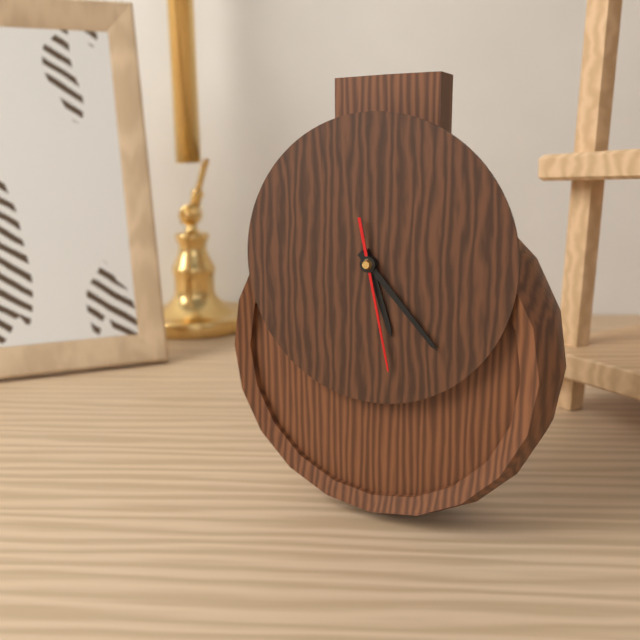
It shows 5,23,28
